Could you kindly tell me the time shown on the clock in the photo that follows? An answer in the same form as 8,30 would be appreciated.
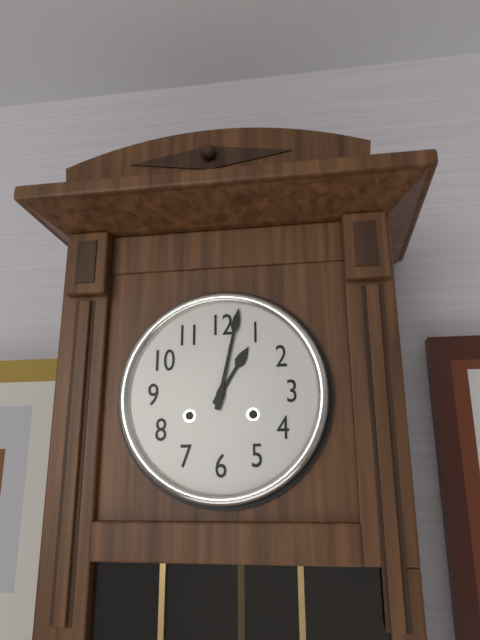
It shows 1,02
